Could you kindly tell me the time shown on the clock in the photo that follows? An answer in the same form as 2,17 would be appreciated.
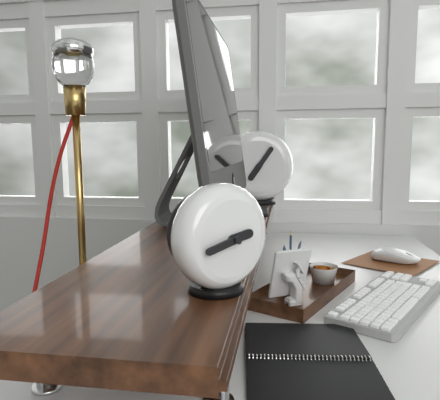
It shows 2,43
